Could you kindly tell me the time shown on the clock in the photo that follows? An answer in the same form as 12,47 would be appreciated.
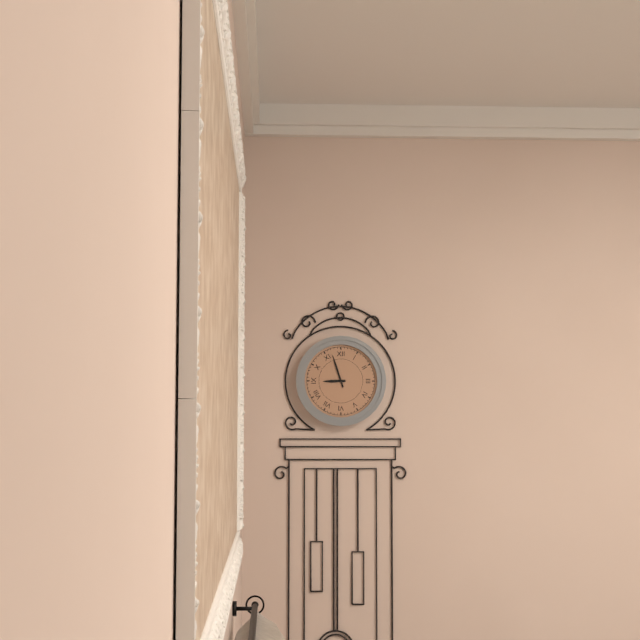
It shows 8,57
